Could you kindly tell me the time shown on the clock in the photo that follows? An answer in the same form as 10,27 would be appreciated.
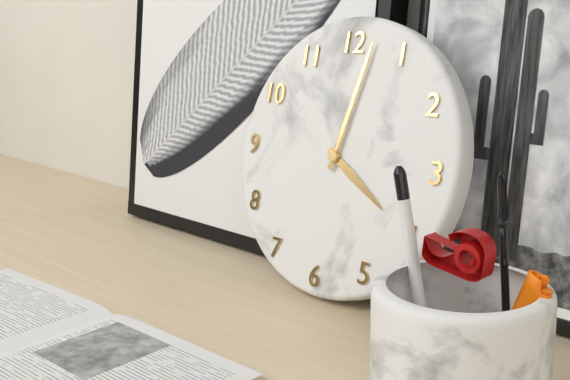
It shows 4,02
